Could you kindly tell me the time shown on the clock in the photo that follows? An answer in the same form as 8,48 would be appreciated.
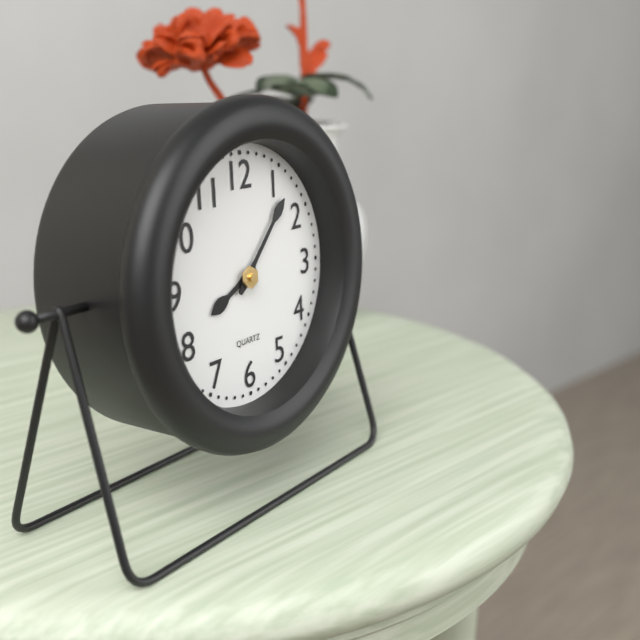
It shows 8,07
